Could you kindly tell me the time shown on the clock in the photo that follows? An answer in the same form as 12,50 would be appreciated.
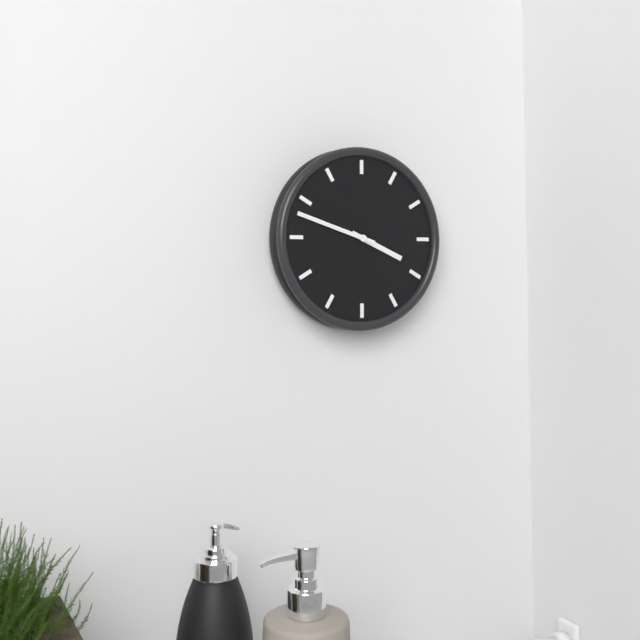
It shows 3,48
